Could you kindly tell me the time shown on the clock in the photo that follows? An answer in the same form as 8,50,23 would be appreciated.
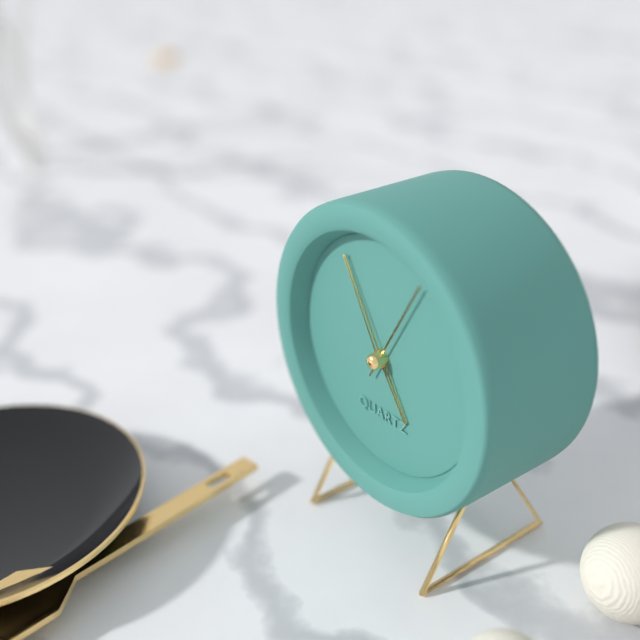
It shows 4,55,05
